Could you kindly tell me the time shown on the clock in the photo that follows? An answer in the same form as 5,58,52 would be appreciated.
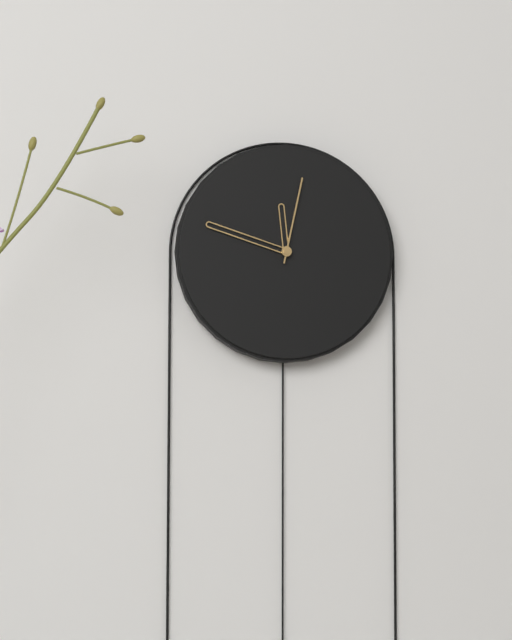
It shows 11,48,02
